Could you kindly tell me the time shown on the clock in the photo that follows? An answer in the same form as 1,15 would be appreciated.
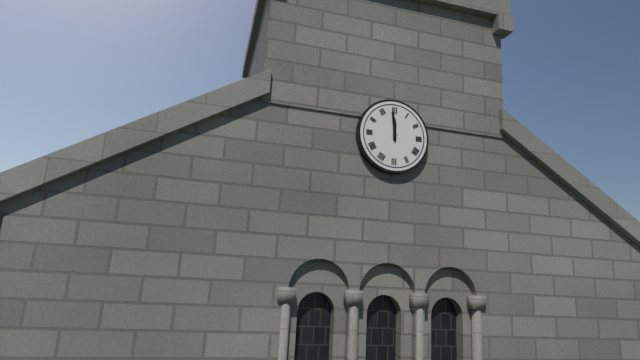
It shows 11,59
